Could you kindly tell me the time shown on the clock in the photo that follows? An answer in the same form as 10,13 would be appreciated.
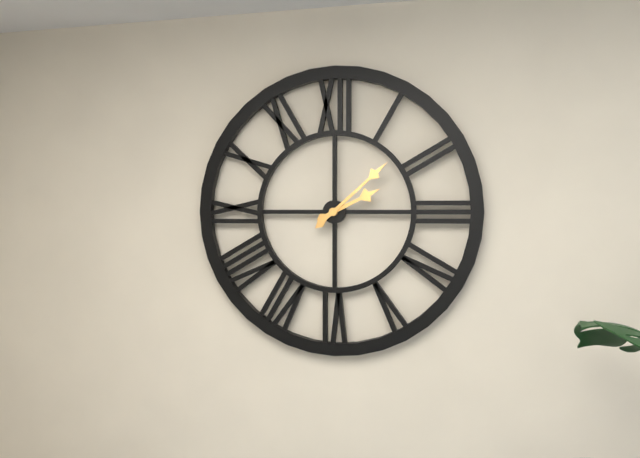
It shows 2,08
